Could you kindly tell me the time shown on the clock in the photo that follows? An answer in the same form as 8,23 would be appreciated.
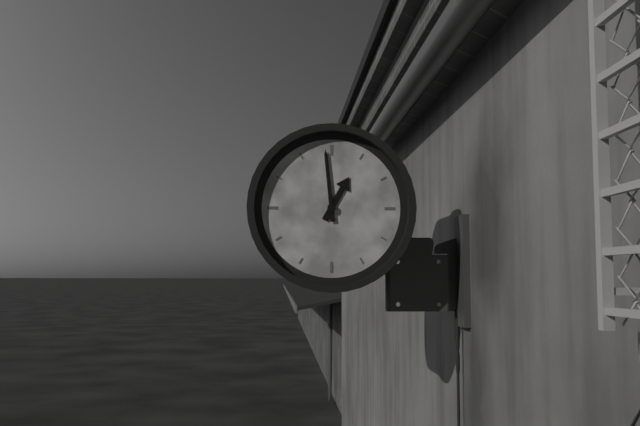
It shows 12,59
